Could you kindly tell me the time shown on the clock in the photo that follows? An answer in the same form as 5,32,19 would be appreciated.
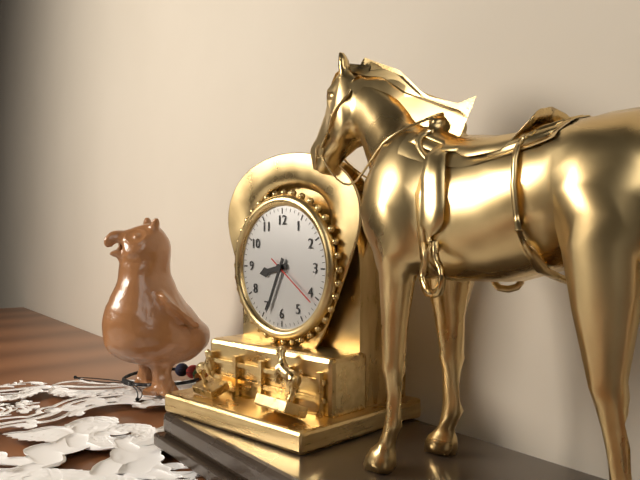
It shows 8,34,21
